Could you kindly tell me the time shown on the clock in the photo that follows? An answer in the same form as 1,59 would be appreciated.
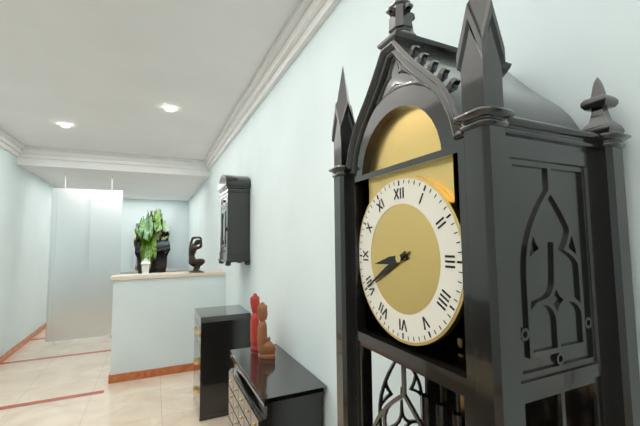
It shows 8,40
